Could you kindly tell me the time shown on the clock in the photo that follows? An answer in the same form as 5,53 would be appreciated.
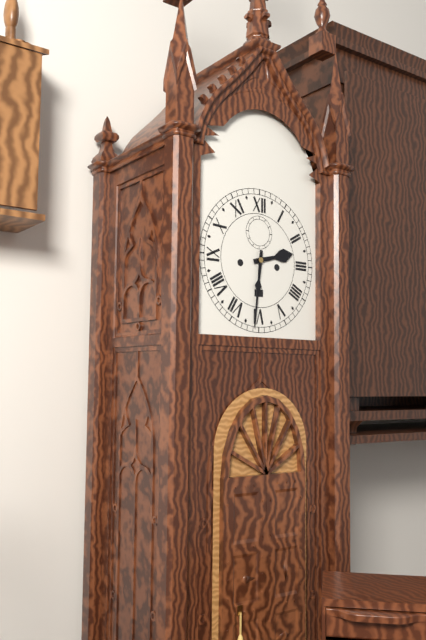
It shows 2,31
